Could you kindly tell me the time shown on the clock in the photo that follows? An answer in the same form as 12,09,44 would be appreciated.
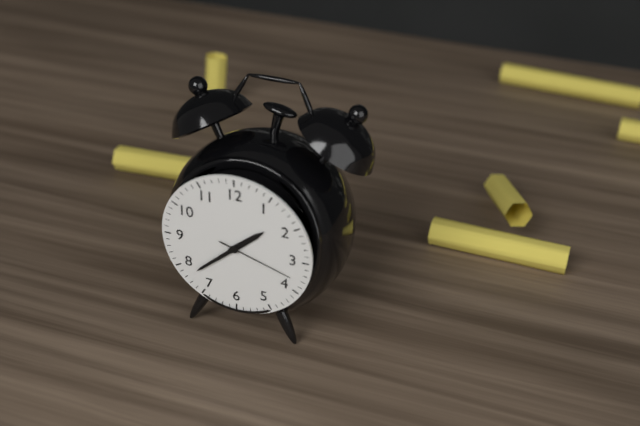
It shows 1,38,18
